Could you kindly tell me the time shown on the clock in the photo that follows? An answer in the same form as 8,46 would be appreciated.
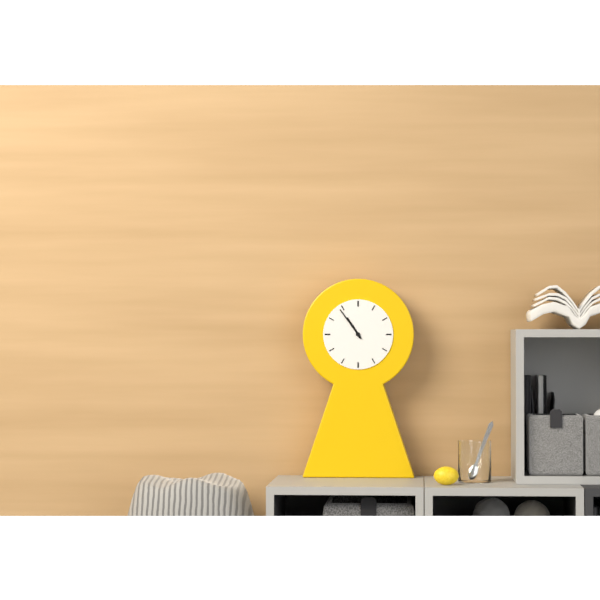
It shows 10,54
